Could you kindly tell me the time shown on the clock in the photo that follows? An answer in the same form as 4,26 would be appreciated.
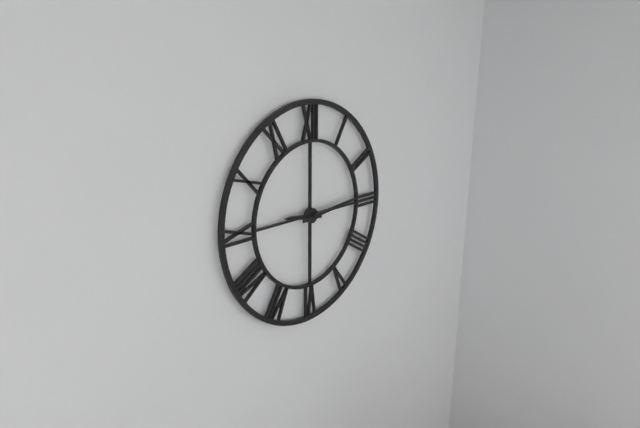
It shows 9,14
